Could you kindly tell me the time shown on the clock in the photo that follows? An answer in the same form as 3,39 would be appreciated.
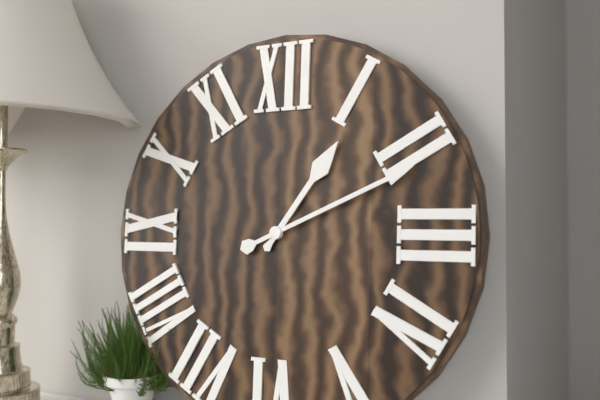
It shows 1,11
